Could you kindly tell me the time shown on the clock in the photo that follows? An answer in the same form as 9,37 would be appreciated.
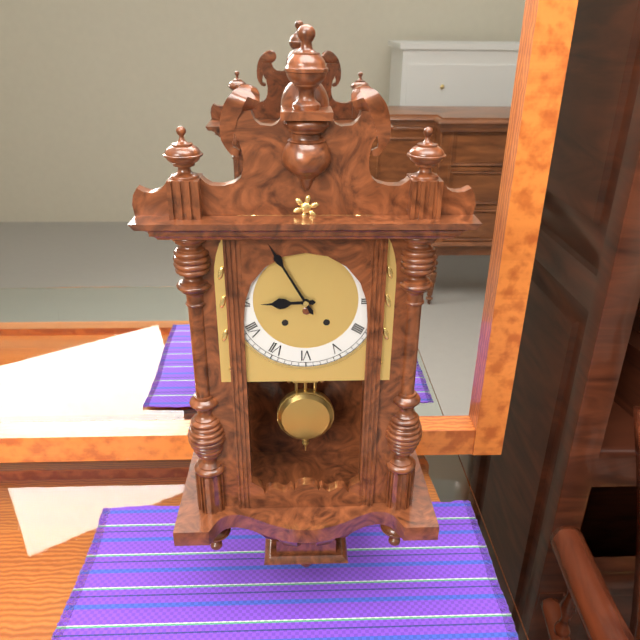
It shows 8,55
